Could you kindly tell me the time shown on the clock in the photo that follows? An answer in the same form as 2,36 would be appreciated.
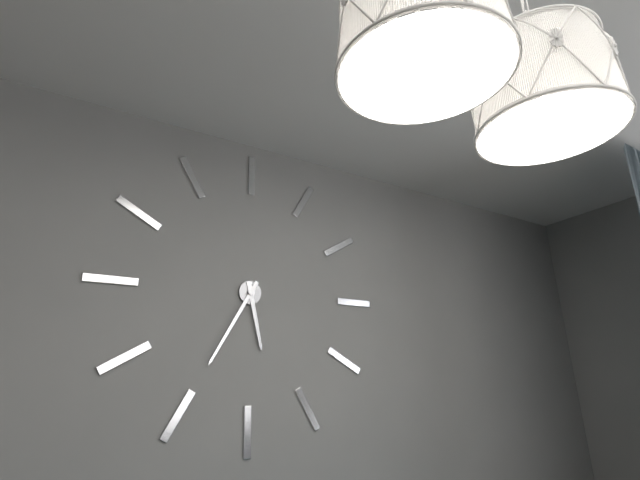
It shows 5,35
